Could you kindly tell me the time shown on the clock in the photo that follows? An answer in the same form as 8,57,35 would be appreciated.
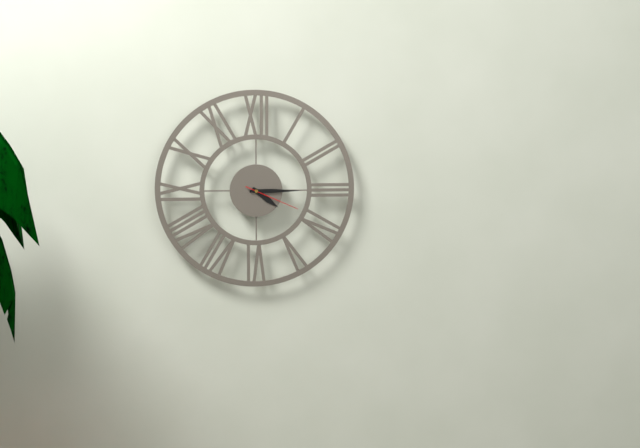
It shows 4,15,19
